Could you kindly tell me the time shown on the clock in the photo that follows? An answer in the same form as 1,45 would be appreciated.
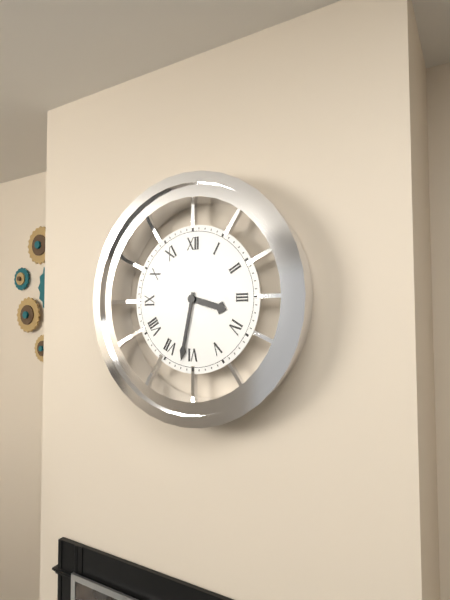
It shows 3,32
